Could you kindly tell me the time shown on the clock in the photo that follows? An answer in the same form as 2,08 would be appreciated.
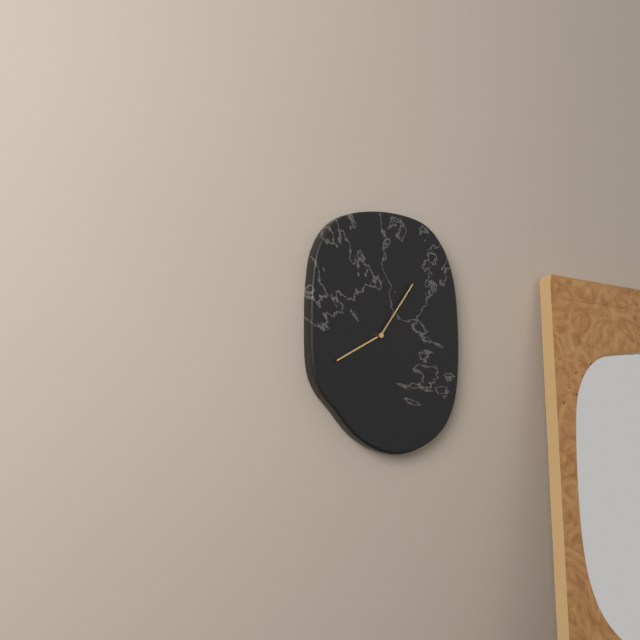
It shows 8,06
